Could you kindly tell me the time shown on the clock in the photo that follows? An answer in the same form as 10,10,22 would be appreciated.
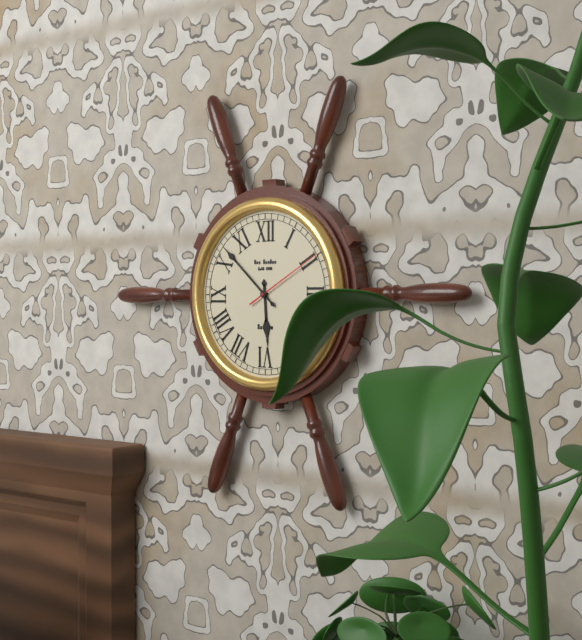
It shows 5,52,10
